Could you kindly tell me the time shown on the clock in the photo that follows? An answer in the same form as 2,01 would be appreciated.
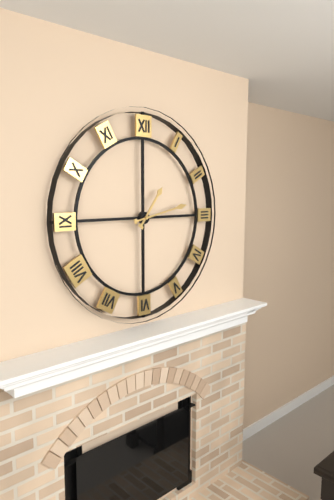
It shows 1,13
